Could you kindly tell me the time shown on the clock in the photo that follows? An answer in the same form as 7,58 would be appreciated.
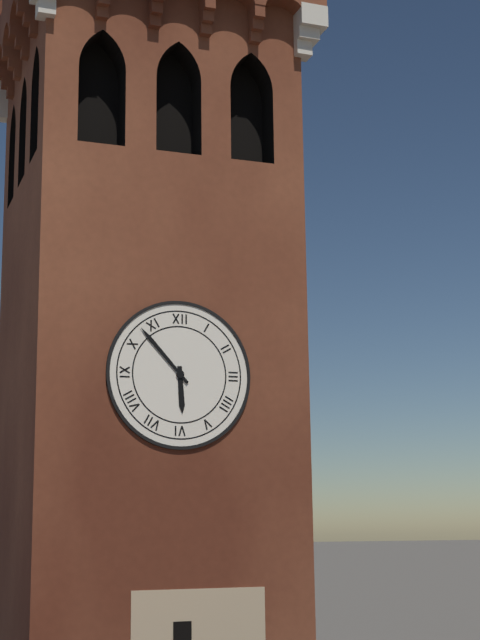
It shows 5,53
